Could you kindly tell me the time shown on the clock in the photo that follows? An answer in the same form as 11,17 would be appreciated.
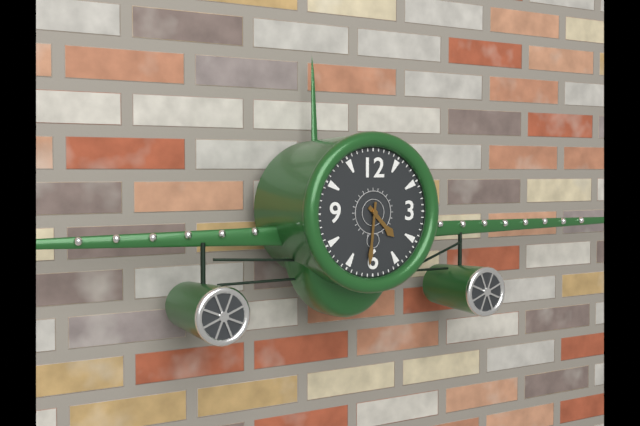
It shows 4,31
